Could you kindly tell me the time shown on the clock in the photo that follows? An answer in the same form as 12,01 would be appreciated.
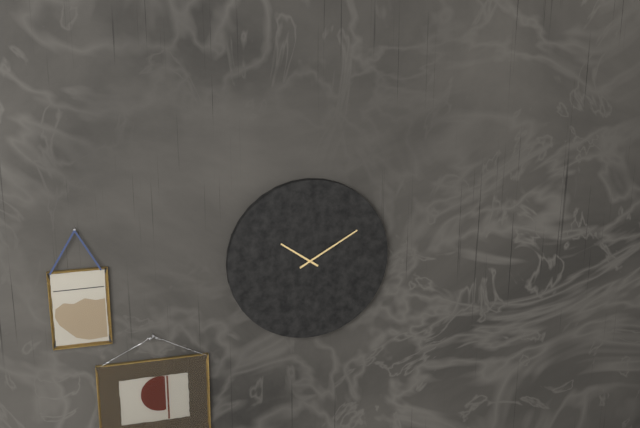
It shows 10,10
